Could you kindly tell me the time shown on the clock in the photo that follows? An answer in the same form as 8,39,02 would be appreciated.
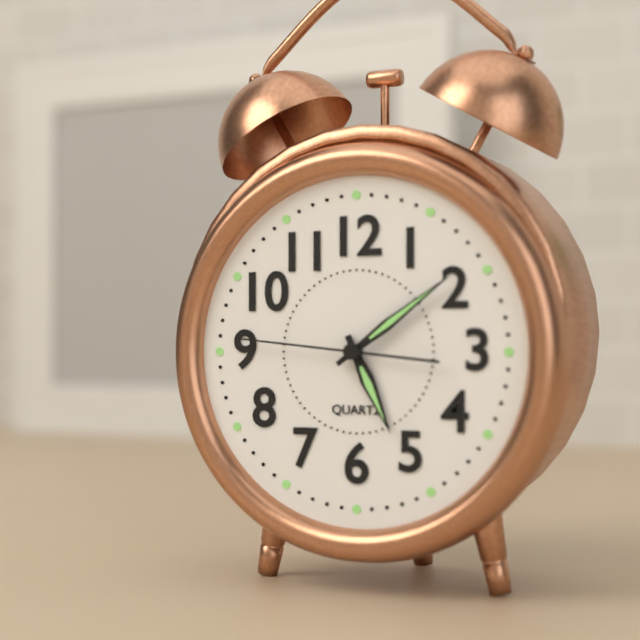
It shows 5,09,46
